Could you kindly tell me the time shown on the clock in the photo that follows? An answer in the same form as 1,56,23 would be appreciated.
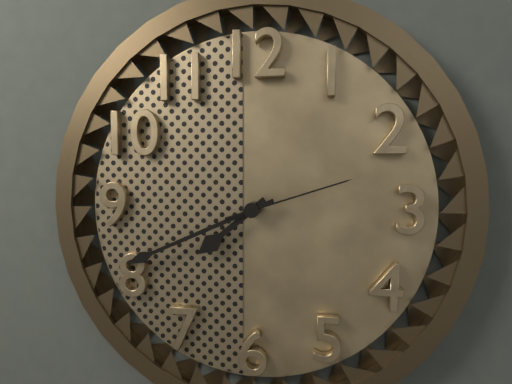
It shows 7,41,12
